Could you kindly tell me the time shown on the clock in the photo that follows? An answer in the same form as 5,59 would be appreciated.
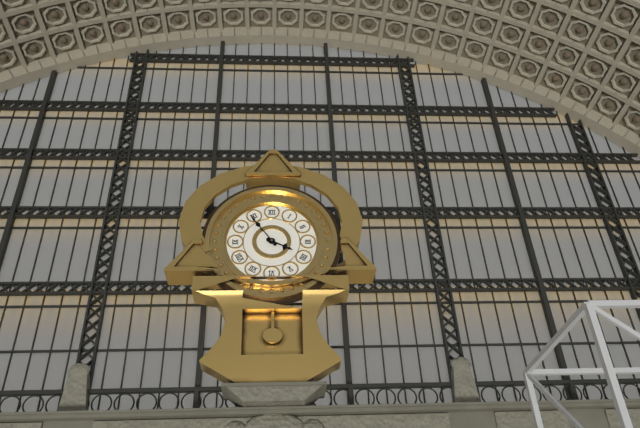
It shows 3,54
